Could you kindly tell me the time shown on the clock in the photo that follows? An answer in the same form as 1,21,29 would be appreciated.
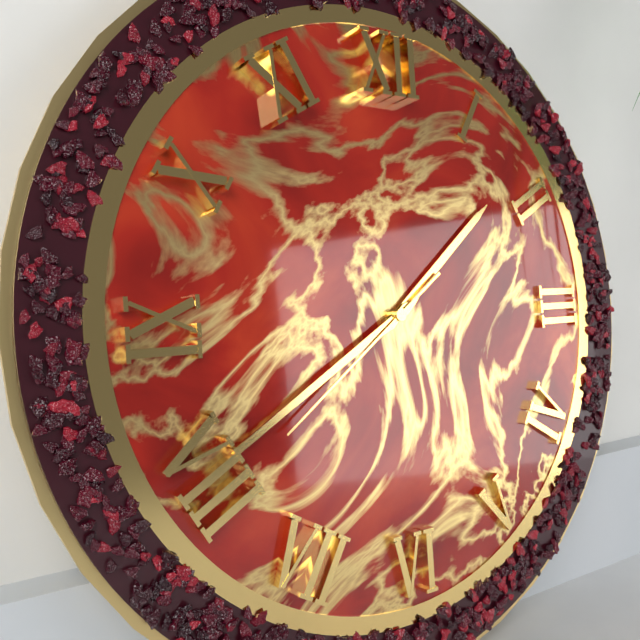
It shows 1,40,39
